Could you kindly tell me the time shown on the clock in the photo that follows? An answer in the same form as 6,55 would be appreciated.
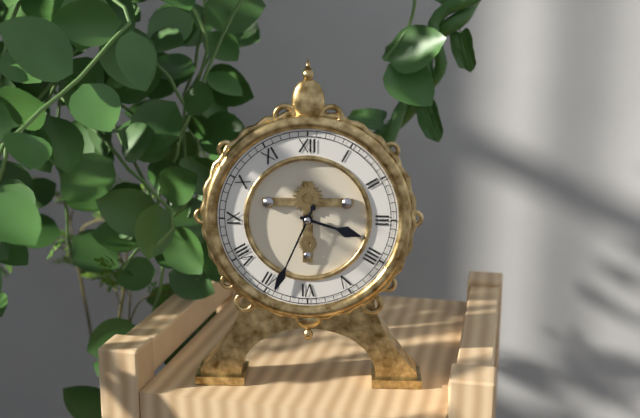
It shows 3,34
